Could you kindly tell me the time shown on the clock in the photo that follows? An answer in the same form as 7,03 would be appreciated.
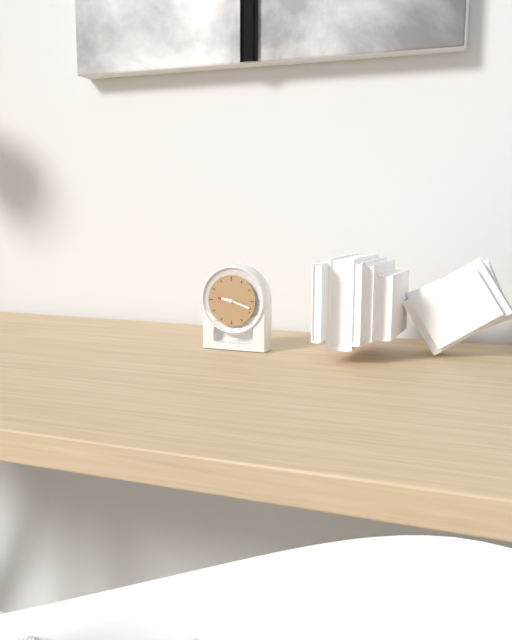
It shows 9,18
